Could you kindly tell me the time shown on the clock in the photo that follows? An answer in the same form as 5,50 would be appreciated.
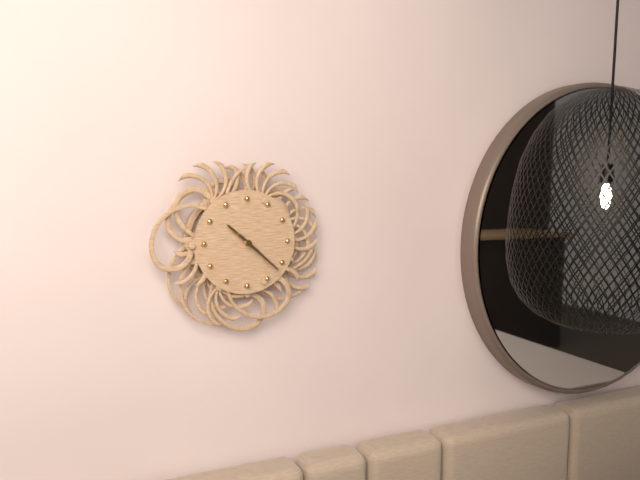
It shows 10,22
